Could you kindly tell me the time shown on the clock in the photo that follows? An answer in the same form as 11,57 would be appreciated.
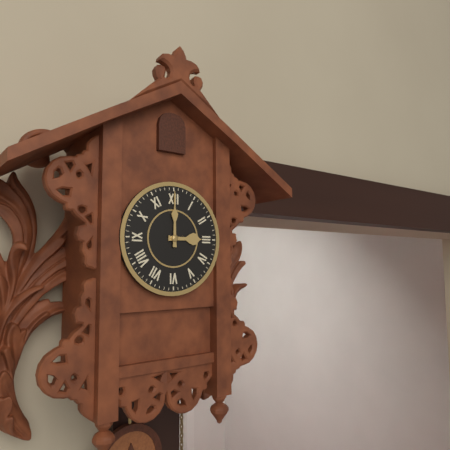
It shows 3,00
